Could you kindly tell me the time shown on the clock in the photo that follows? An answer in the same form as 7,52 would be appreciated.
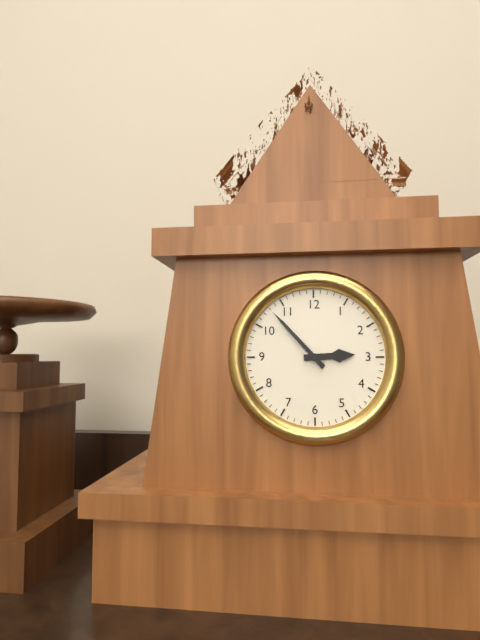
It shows 2,53
